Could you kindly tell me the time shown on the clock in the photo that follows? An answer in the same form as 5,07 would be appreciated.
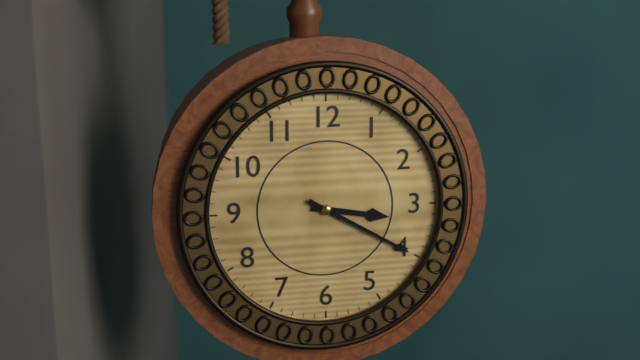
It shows 3,20
